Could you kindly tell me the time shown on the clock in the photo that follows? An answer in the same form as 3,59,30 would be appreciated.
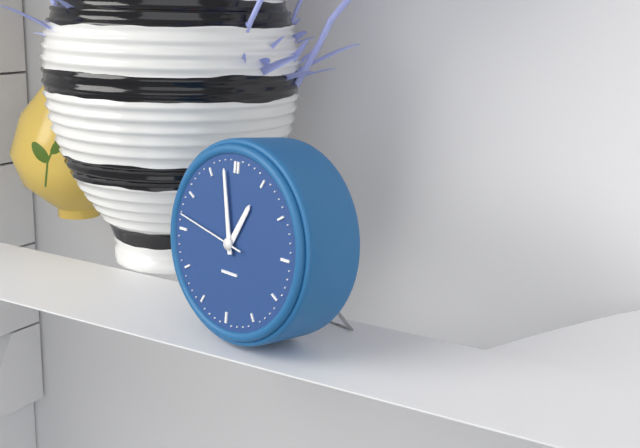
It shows 12,58,47
